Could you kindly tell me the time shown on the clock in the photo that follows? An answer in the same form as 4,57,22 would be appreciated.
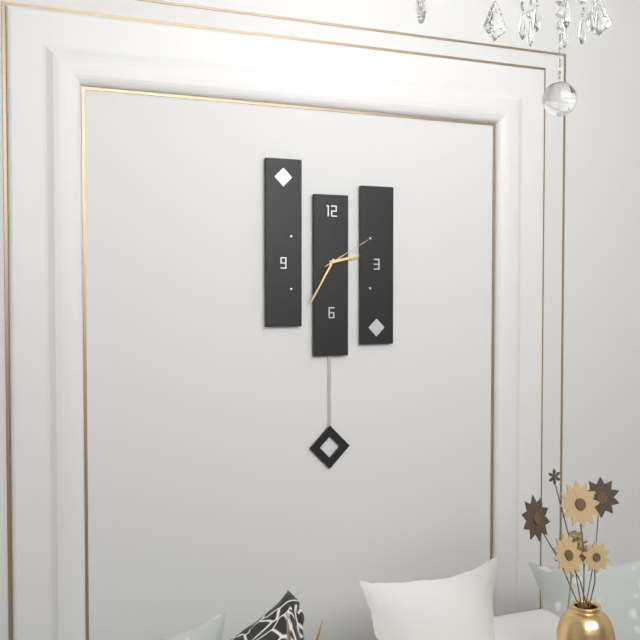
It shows 2,35,10
